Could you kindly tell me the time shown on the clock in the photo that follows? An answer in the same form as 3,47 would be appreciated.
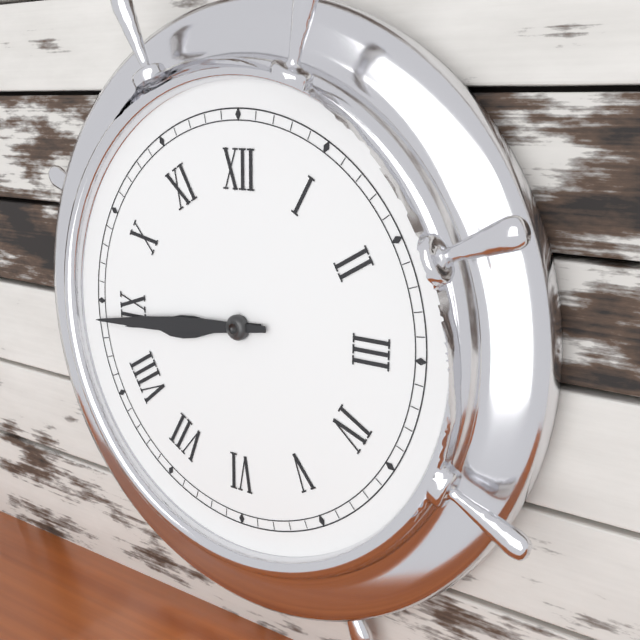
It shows 8,44
